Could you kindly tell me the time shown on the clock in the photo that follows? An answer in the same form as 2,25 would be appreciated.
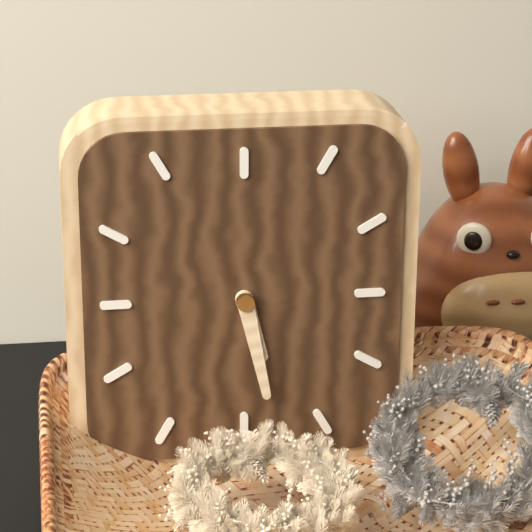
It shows 5,28
